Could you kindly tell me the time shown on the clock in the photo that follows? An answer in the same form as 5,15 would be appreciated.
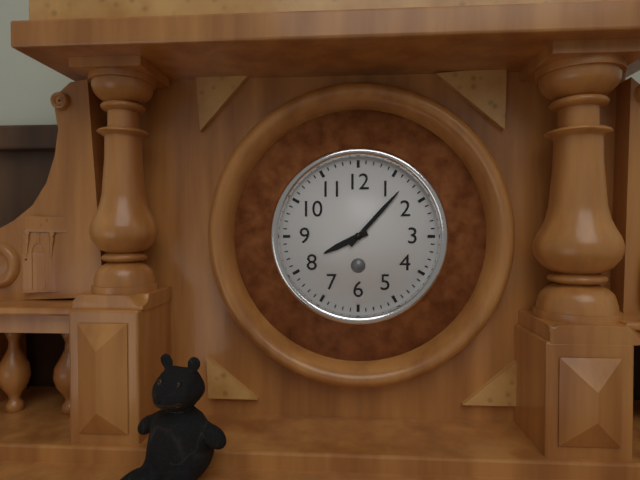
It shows 8,07
